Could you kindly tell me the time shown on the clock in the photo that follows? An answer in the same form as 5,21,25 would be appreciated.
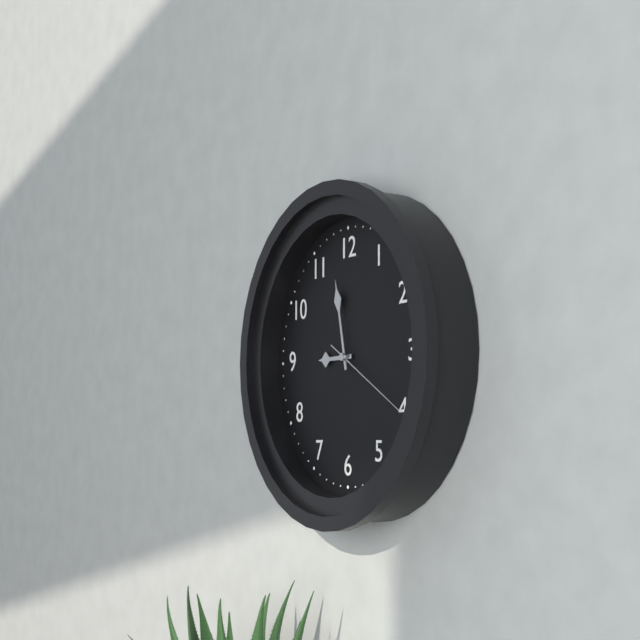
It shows 8,58,20
